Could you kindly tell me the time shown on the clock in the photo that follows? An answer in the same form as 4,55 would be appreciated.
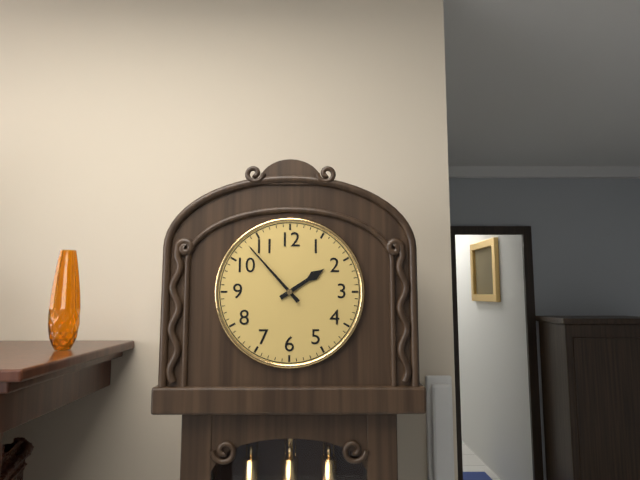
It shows 1,53
